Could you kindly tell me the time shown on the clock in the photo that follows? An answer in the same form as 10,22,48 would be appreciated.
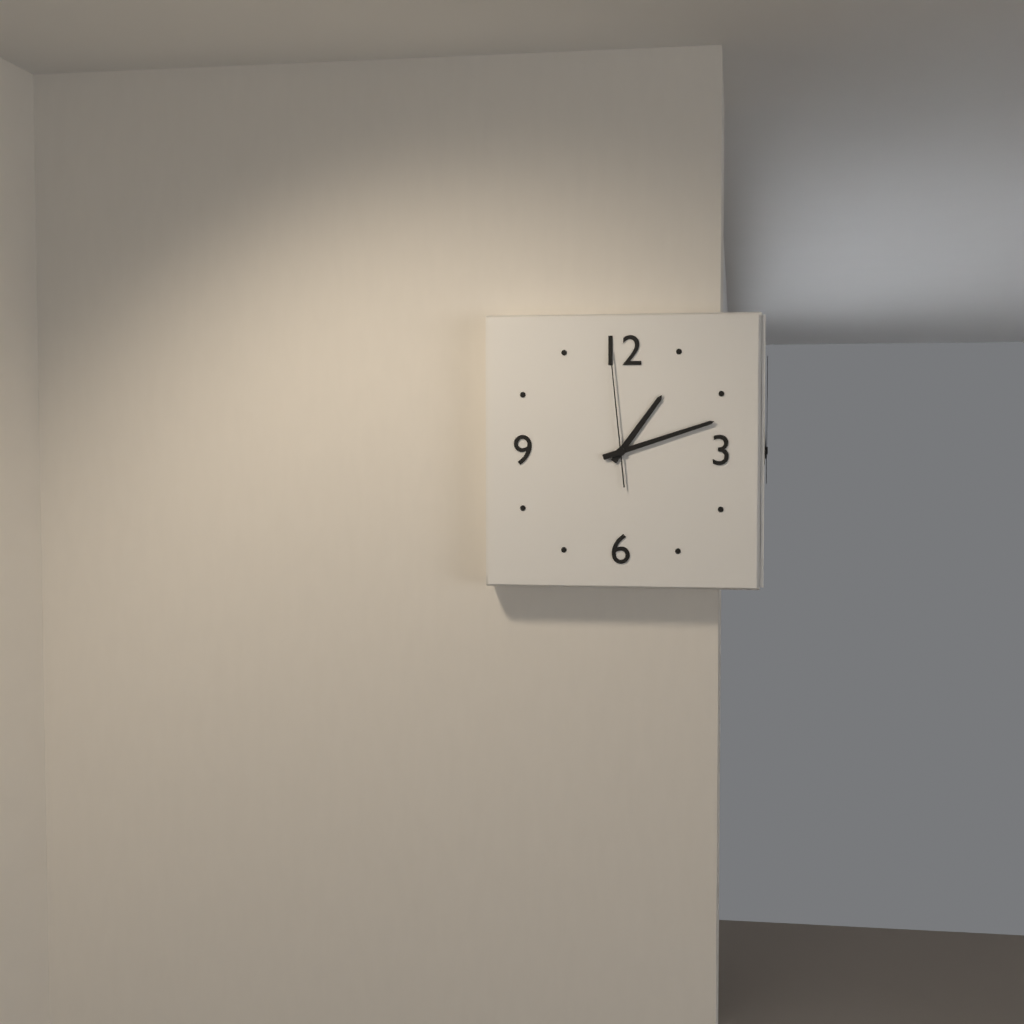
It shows 1,12,59
